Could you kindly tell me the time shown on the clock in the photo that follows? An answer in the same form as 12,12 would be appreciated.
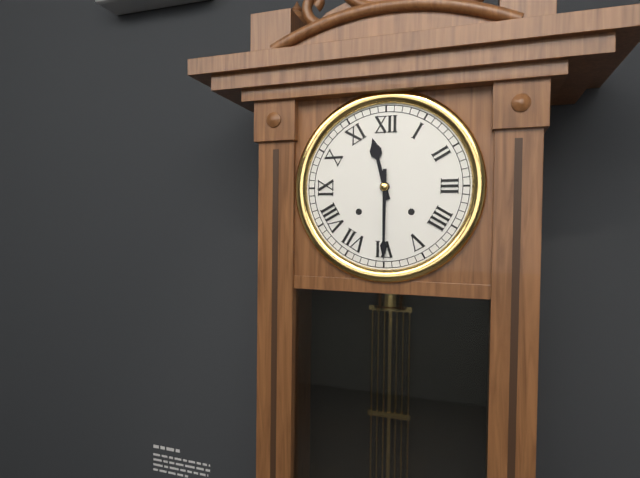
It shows 11,30
